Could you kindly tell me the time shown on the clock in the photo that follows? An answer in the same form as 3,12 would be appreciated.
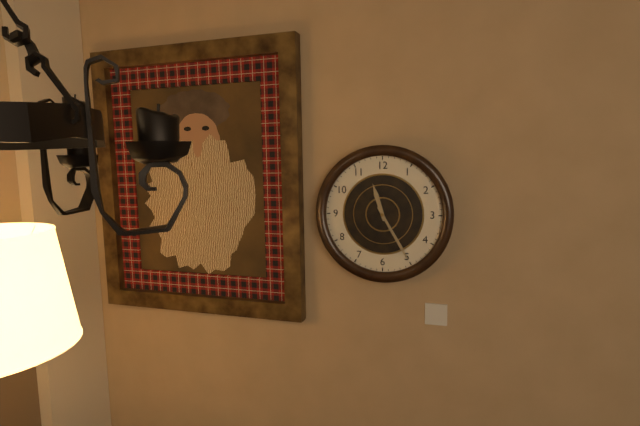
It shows 11,25
